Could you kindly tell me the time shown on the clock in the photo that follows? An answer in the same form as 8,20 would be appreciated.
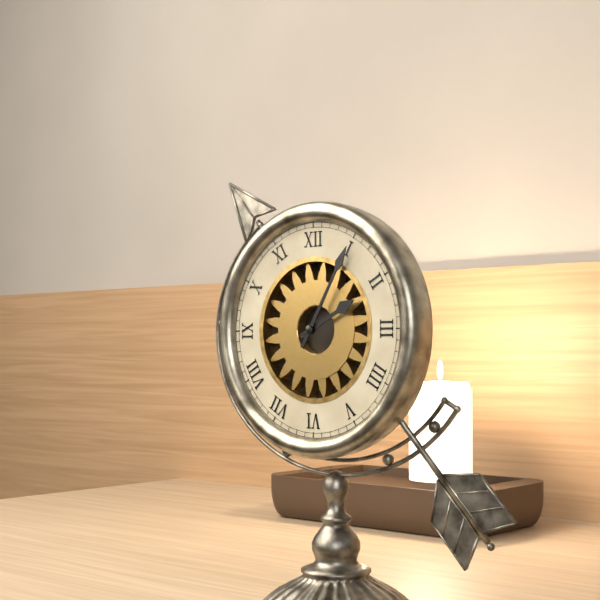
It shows 2,05
